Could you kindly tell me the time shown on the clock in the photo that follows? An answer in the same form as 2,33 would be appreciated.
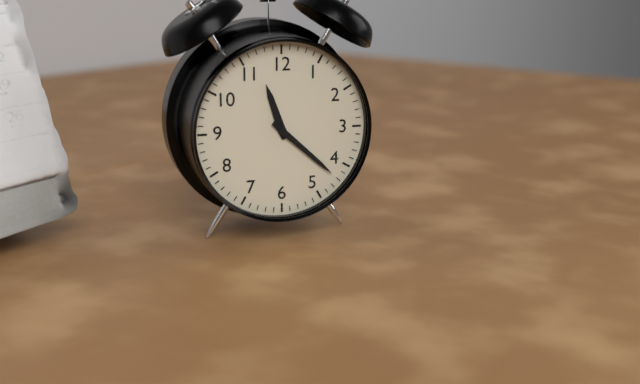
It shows 11,22
